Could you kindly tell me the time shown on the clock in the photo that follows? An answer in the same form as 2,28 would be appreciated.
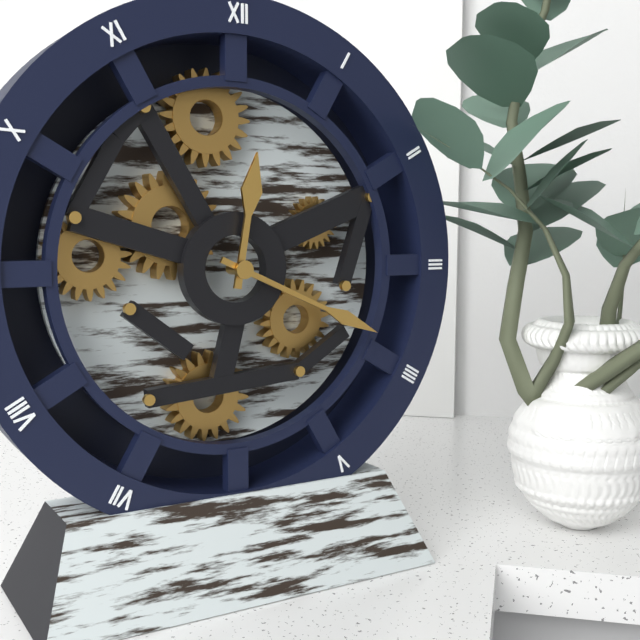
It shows 12,19
